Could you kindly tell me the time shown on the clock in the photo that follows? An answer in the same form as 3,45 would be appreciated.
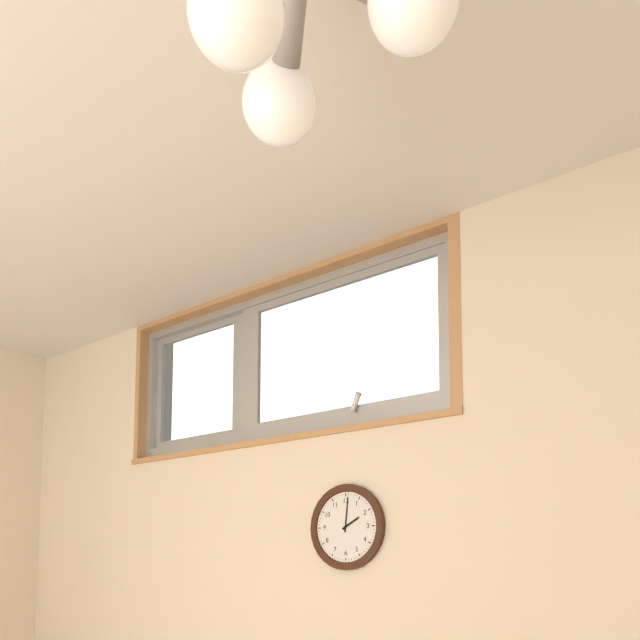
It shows 2,01
